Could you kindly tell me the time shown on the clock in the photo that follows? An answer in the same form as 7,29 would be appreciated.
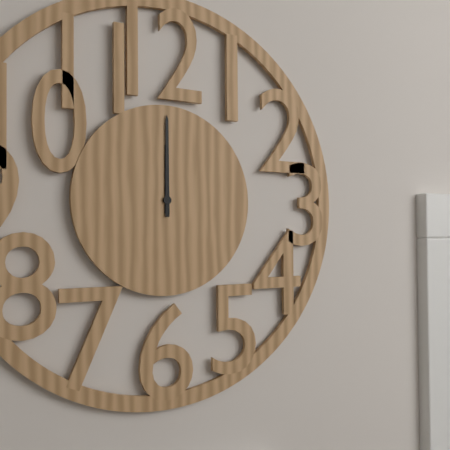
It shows 12,00
